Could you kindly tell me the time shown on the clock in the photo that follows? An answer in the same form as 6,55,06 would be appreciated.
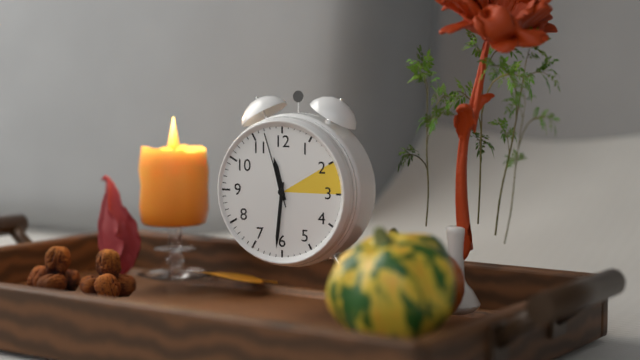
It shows 11,31,57
